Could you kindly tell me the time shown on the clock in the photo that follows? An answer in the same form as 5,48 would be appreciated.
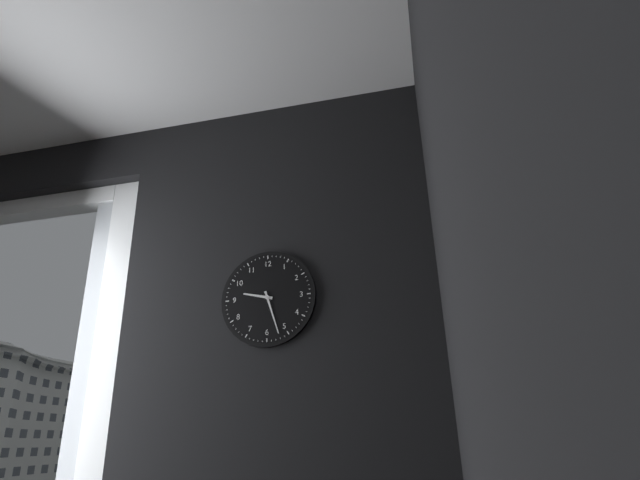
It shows 9,27
